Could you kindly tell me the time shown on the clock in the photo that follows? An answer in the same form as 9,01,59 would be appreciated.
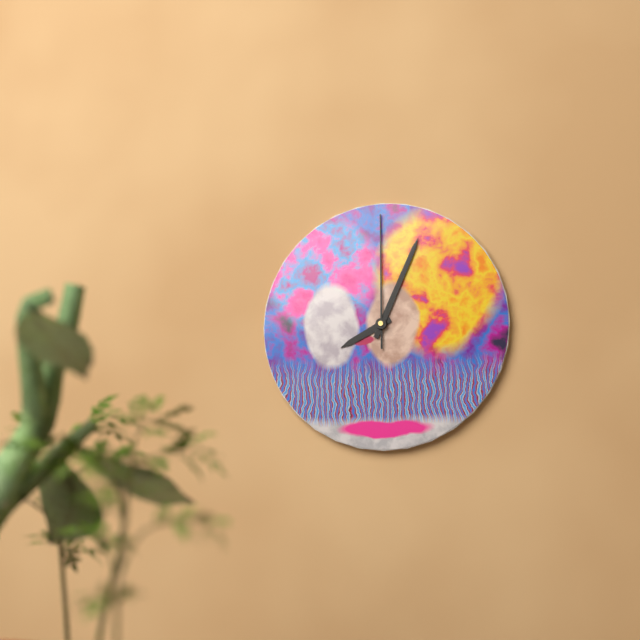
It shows 8,04,00
